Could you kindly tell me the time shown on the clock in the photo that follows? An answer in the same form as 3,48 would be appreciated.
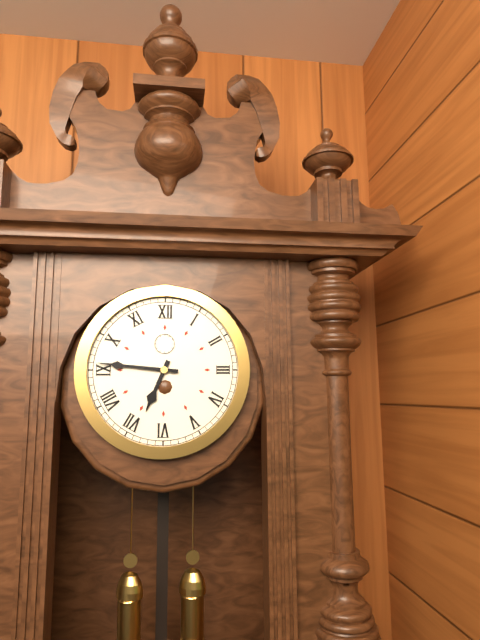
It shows 6,46
